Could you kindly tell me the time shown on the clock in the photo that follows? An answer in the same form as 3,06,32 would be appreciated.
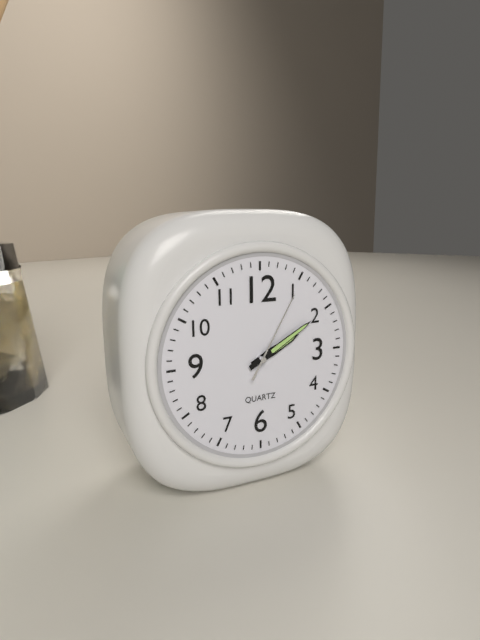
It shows 2,10,05
